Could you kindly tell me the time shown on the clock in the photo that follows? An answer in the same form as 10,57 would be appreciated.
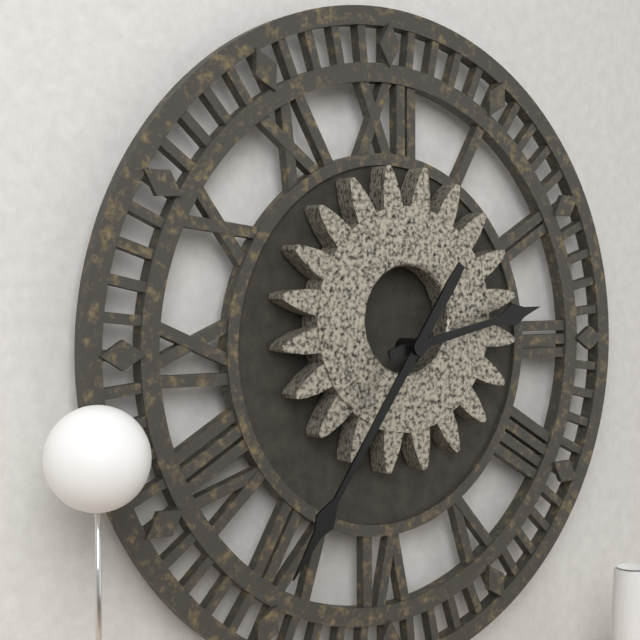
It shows 2,36
